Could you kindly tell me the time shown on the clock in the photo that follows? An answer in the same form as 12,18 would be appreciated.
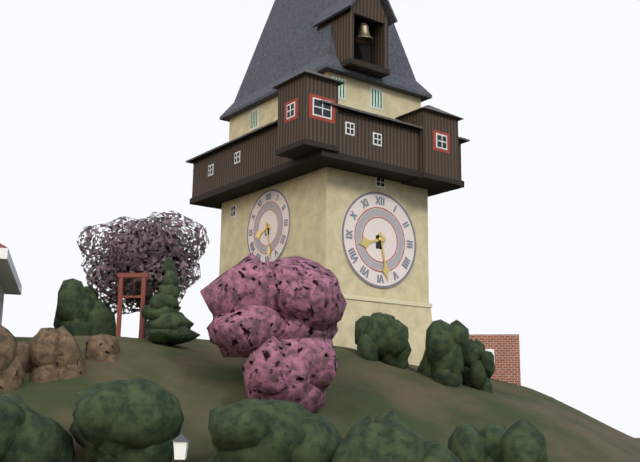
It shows 8,28
